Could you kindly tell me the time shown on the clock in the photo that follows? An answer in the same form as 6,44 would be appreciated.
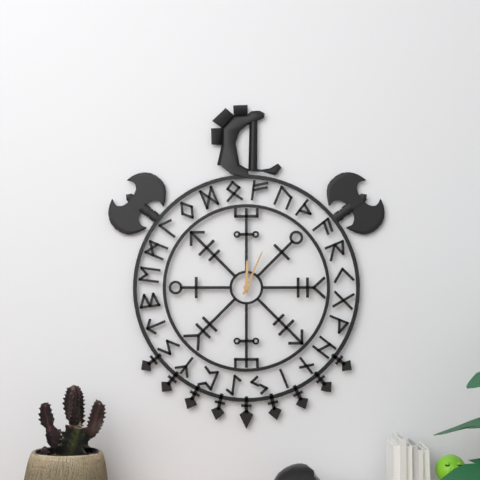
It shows 12,04
